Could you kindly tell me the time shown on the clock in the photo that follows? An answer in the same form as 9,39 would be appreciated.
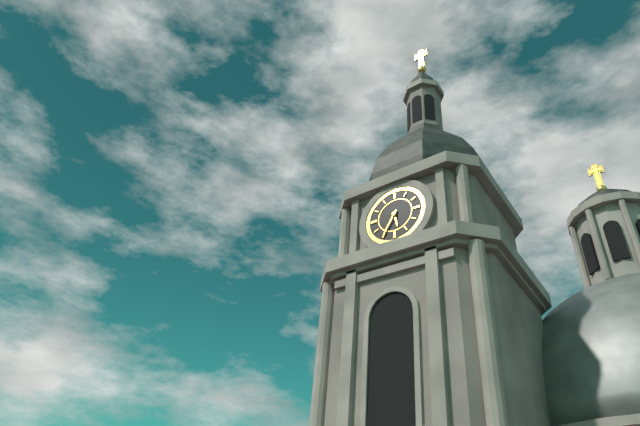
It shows 5,35
